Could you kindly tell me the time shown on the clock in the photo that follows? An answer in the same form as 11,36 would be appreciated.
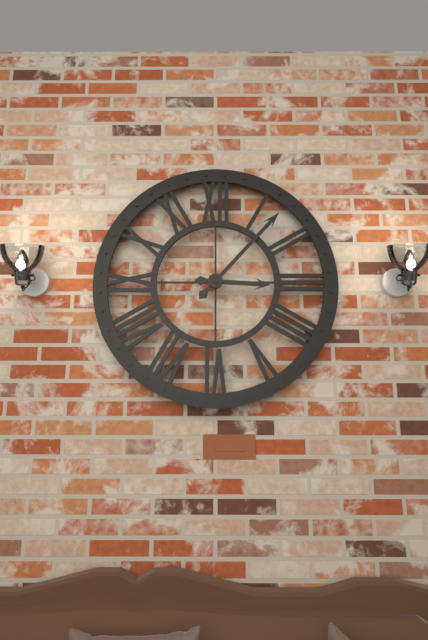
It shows 3,07
